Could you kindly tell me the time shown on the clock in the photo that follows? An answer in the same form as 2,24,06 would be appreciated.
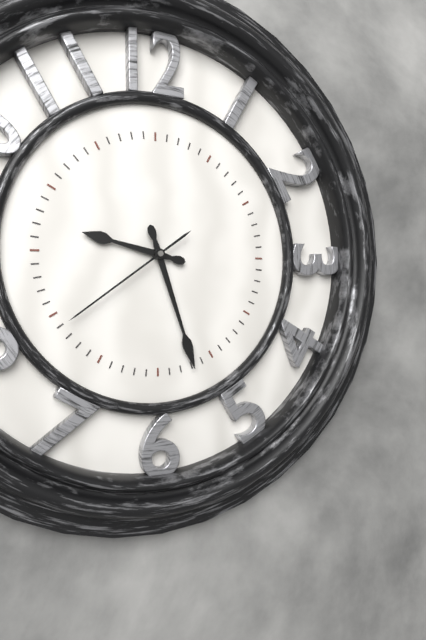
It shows 9,27,39
